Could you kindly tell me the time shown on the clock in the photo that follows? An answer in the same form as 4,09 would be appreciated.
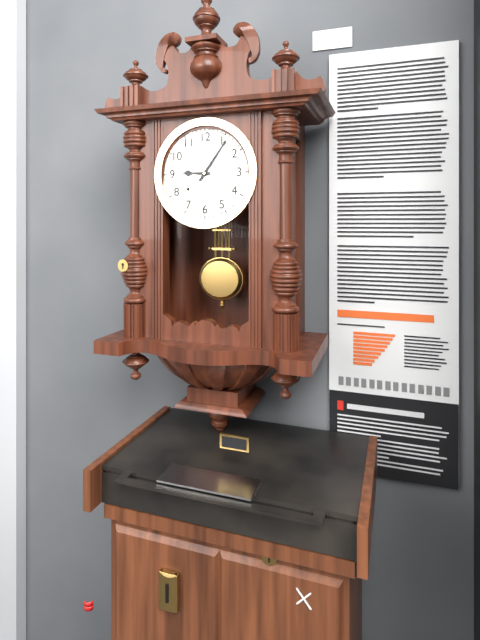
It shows 9,06
